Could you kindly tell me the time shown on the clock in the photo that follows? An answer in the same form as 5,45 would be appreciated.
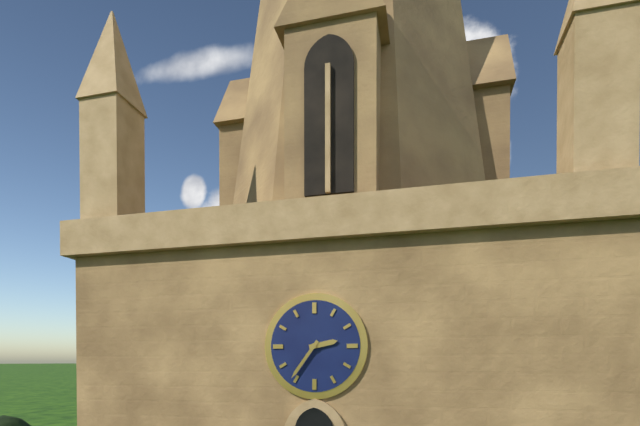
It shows 2,36
